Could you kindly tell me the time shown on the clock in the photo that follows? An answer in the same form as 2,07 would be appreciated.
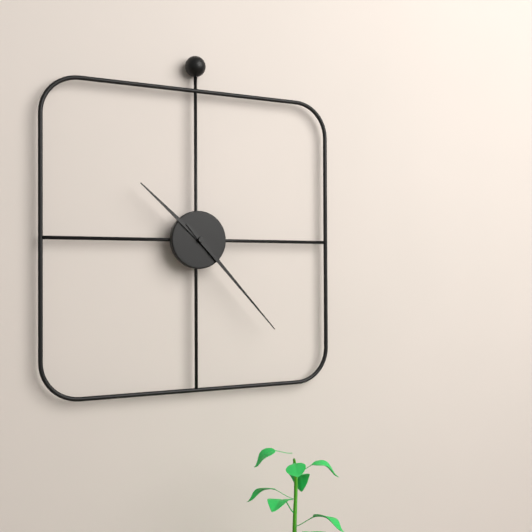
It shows 10,23
